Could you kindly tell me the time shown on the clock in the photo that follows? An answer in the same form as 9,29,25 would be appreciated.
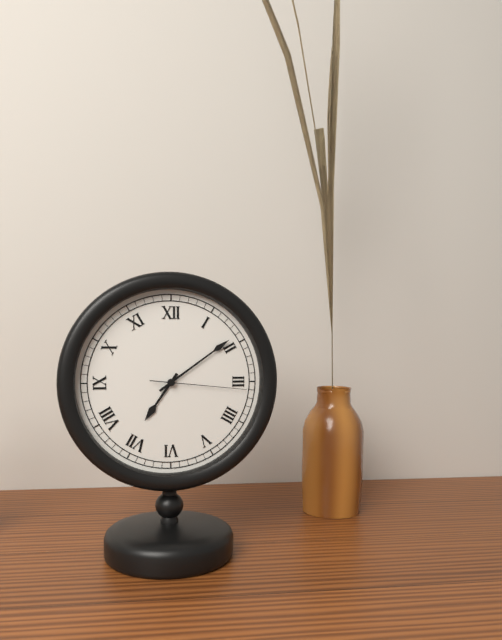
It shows 7,09,16
